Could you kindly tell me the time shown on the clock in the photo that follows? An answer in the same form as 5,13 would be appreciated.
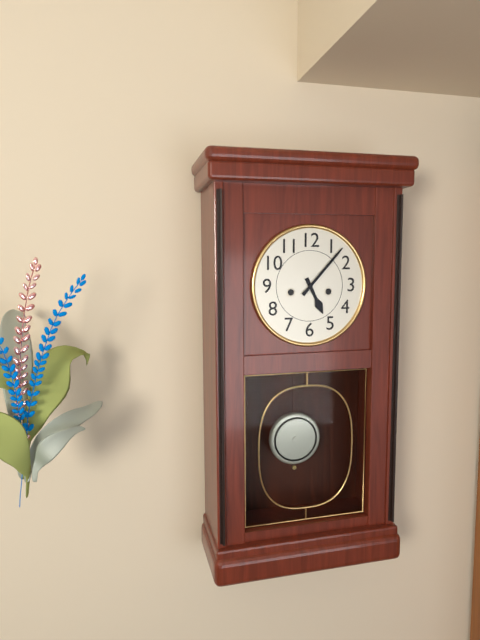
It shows 5,07
